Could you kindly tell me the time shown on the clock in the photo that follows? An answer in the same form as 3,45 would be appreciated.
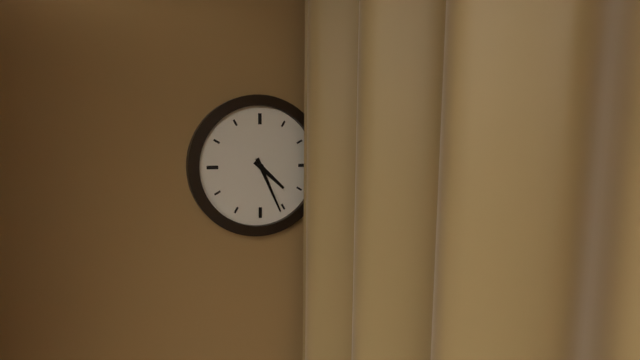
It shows 4,26
